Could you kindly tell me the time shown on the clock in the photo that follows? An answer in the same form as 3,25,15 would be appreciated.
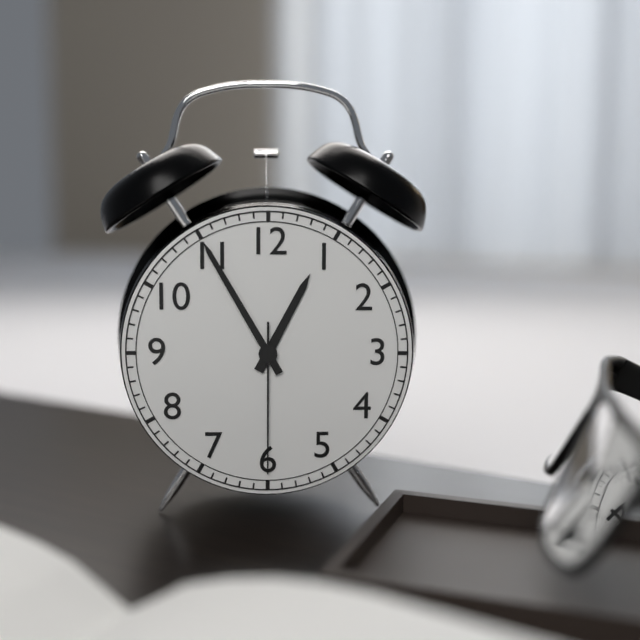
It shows 12,55,30
